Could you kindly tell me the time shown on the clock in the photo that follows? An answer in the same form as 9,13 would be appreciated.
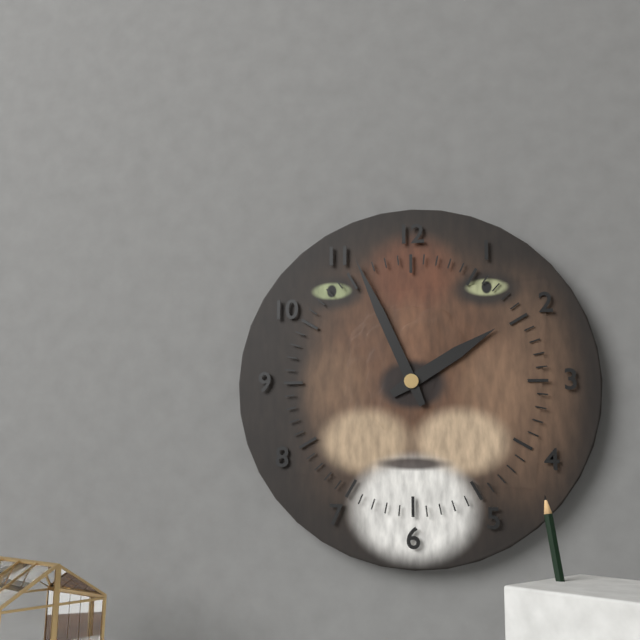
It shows 1,56
